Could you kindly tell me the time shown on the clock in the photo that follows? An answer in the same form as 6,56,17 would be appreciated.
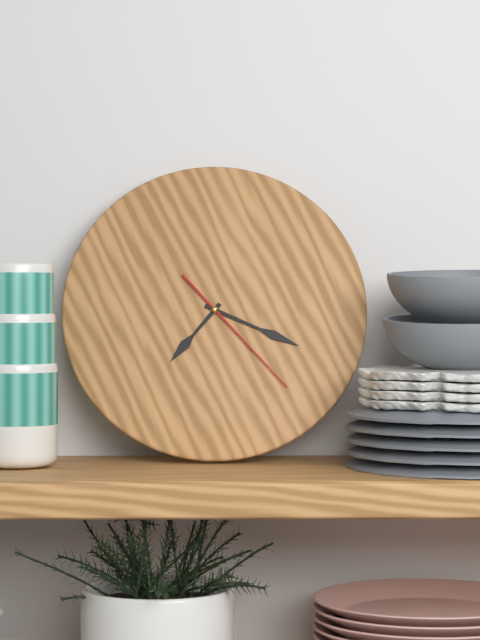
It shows 7,19,23
